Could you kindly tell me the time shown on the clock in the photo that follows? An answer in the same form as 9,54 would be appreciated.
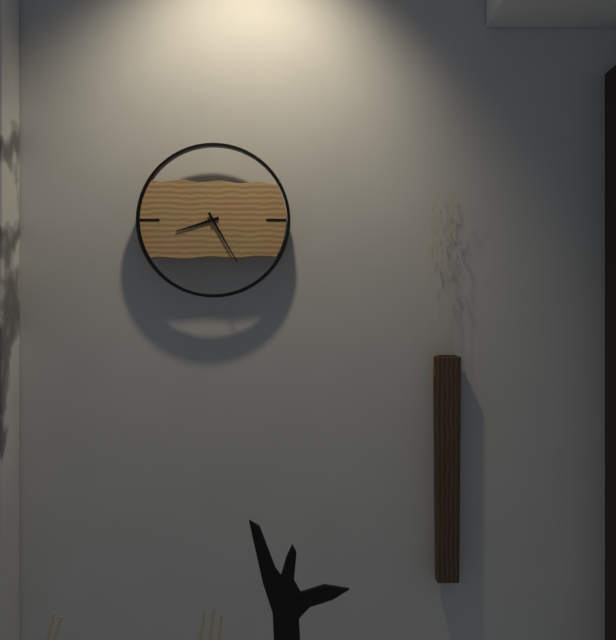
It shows 8,25
